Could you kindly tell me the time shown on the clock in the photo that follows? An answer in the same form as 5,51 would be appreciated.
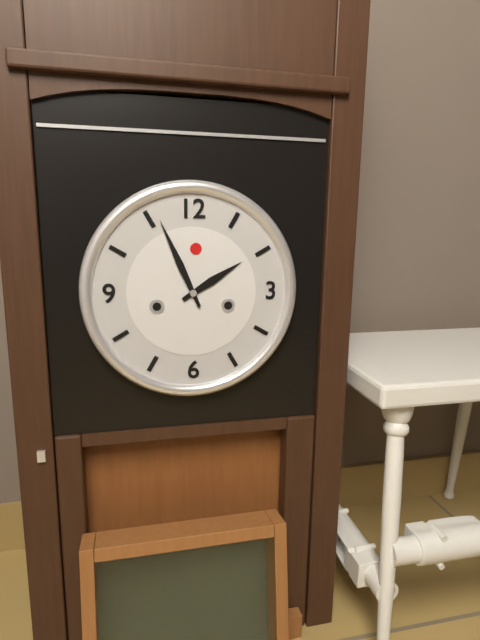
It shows 1,56
